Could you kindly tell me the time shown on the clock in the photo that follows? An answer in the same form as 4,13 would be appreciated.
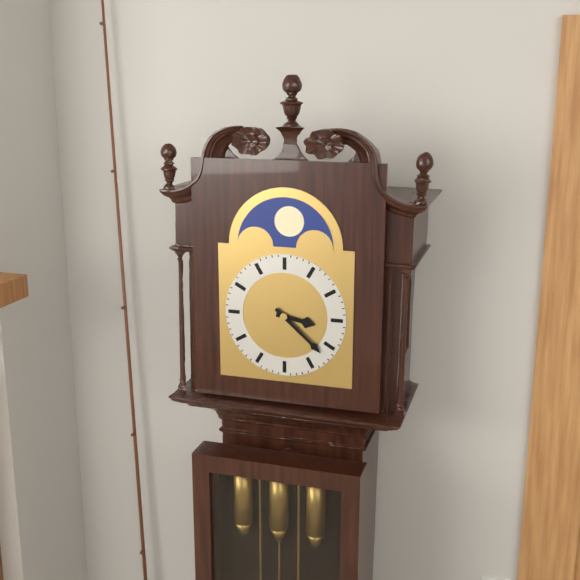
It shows 3,22
